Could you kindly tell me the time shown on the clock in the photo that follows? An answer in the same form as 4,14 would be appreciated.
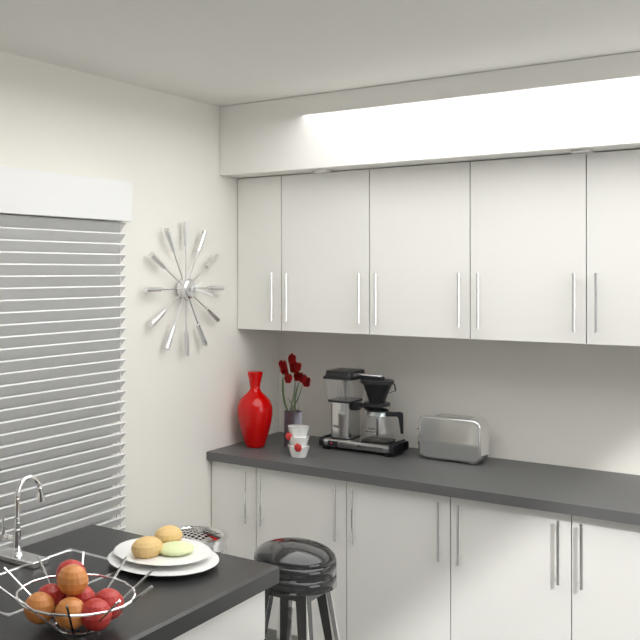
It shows 2,17
